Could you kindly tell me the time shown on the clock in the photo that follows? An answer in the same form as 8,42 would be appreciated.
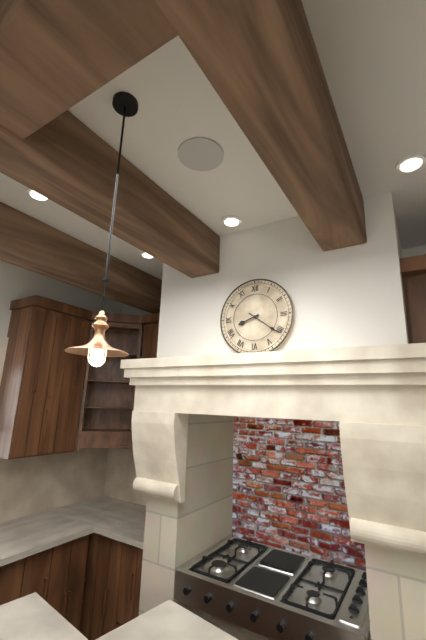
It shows 8,21
